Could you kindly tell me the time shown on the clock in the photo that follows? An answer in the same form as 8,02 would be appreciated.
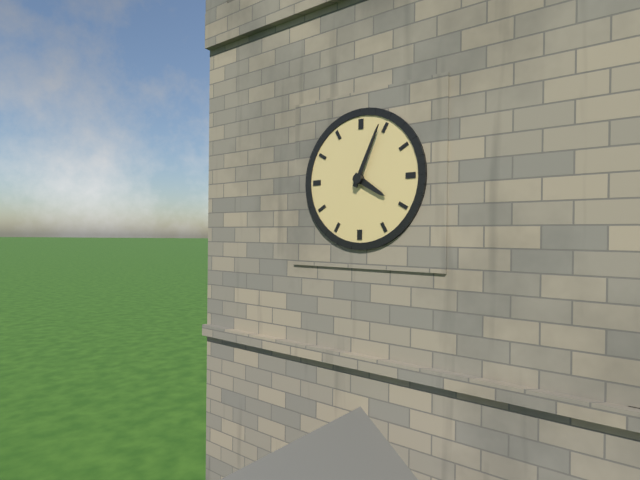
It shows 4,04
